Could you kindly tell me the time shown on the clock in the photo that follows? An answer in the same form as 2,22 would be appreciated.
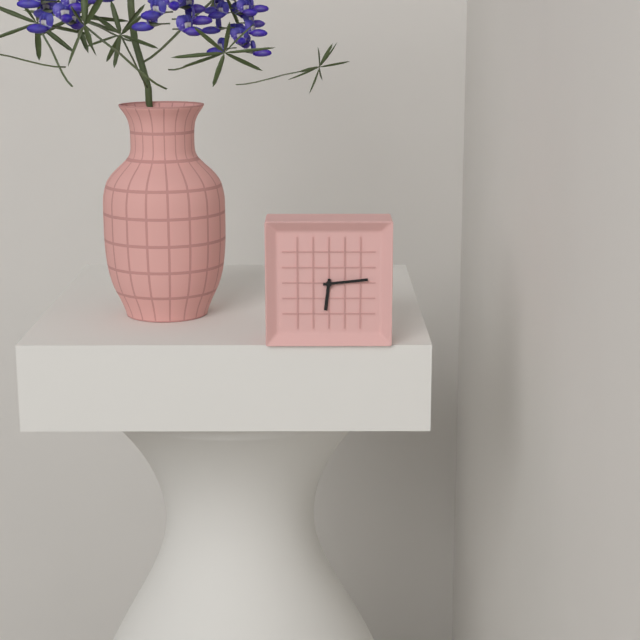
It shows 6,14
